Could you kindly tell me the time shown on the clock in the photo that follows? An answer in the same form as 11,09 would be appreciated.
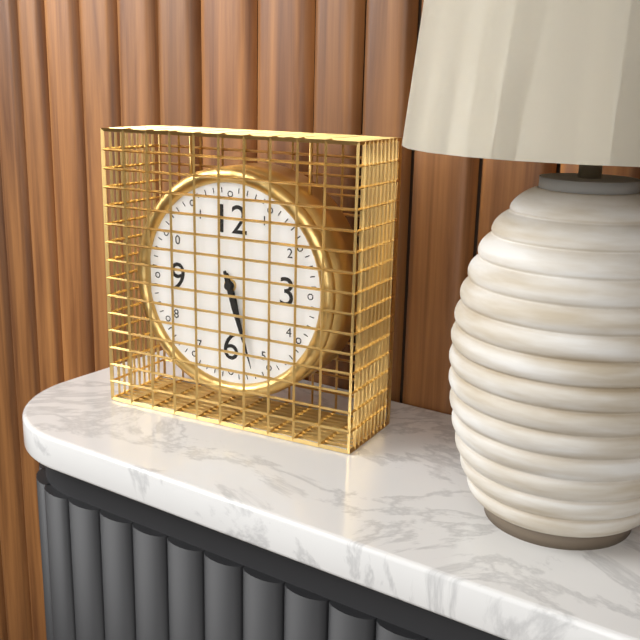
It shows 5,27
